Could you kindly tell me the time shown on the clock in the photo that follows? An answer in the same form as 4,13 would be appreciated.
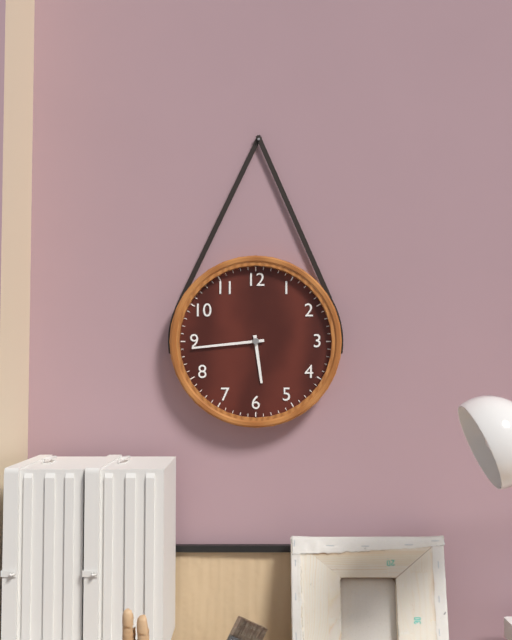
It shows 5,44
